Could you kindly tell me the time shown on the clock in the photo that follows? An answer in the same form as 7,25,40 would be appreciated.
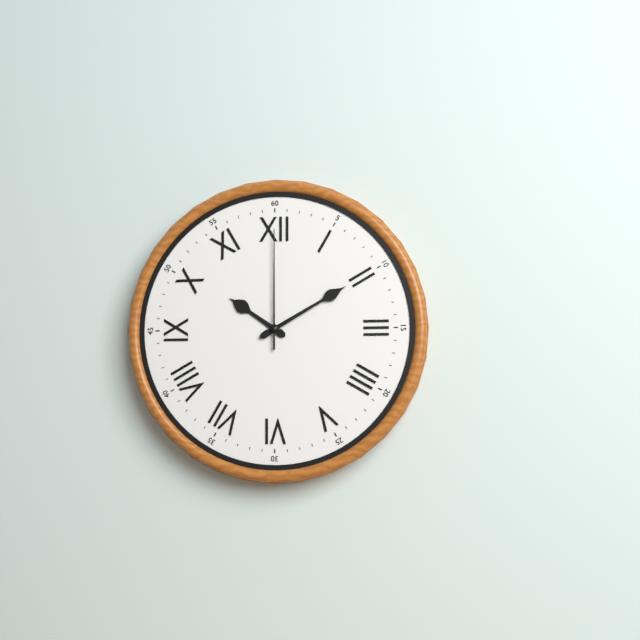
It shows 10,10,00
